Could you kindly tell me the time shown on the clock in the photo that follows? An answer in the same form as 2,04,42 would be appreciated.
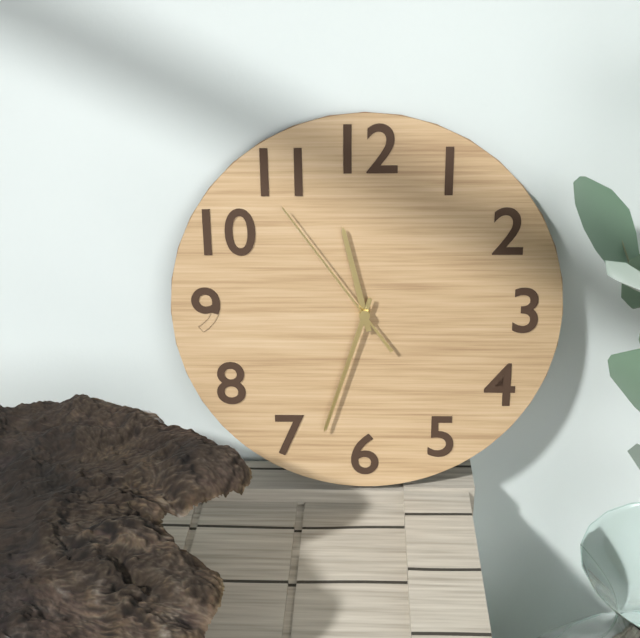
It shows 11,33,54
